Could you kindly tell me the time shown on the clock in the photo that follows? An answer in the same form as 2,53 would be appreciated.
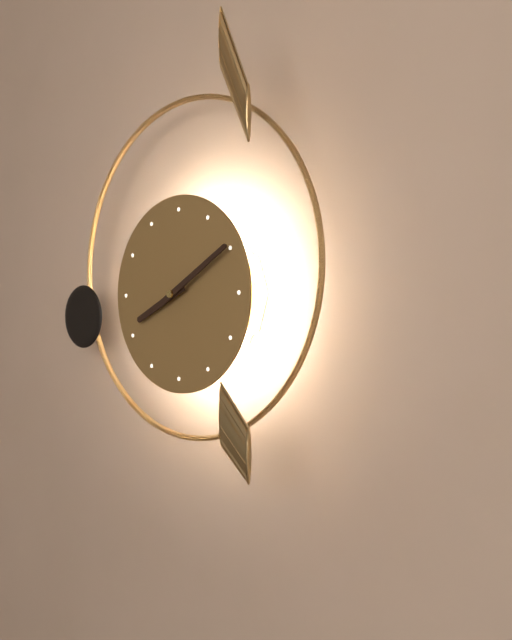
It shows 8,10
